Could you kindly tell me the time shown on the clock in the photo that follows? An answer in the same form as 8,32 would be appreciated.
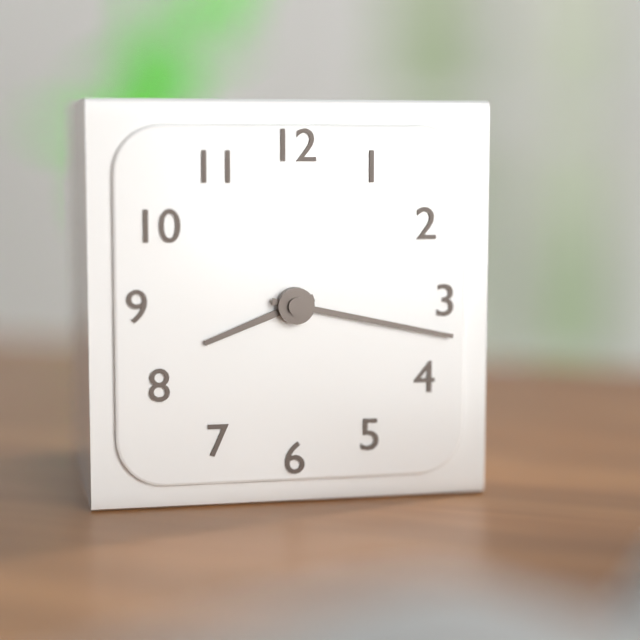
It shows 8,17
